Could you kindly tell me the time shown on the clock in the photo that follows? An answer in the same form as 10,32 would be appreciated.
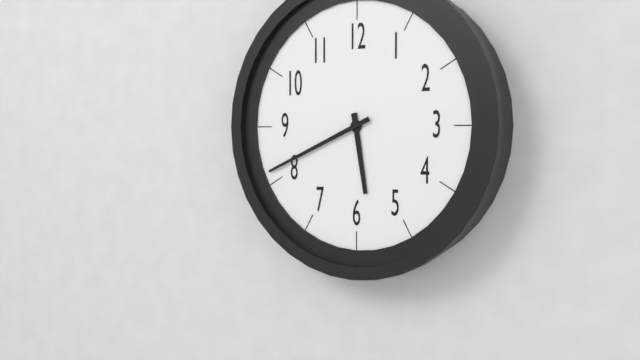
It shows 5,41
